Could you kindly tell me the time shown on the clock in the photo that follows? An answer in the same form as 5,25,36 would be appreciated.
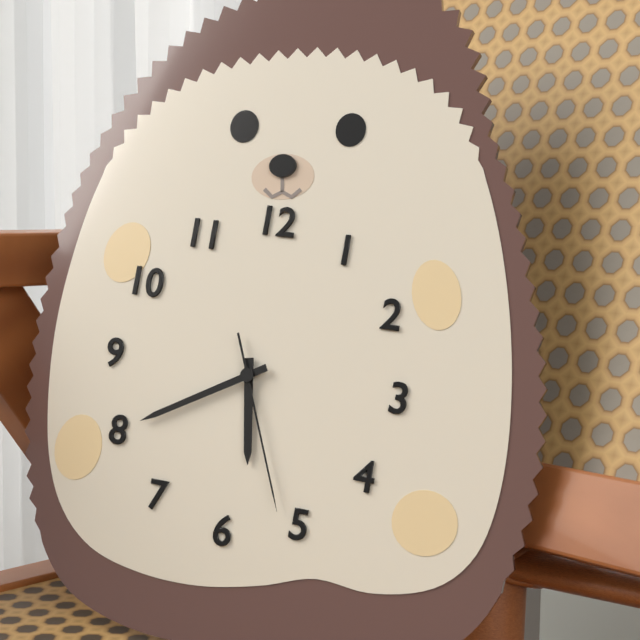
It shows 5,40,26
